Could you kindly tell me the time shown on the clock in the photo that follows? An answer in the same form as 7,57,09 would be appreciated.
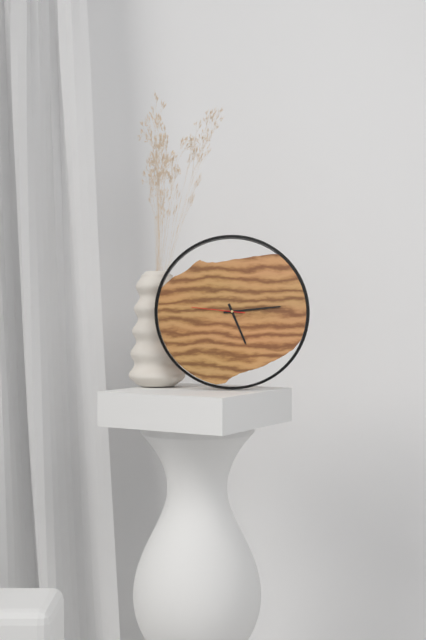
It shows 5,14,46
